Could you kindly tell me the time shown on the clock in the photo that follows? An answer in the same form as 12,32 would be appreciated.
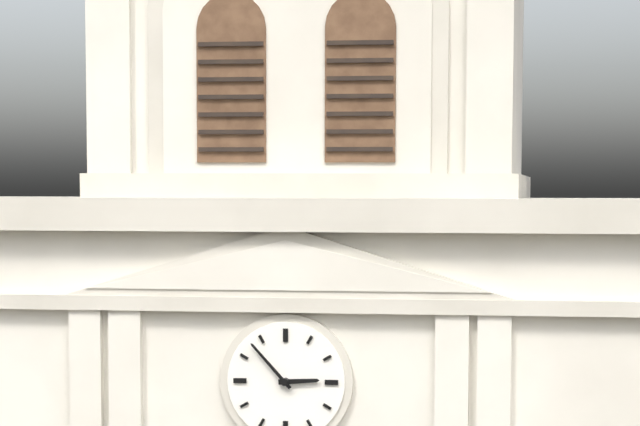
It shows 2,53
